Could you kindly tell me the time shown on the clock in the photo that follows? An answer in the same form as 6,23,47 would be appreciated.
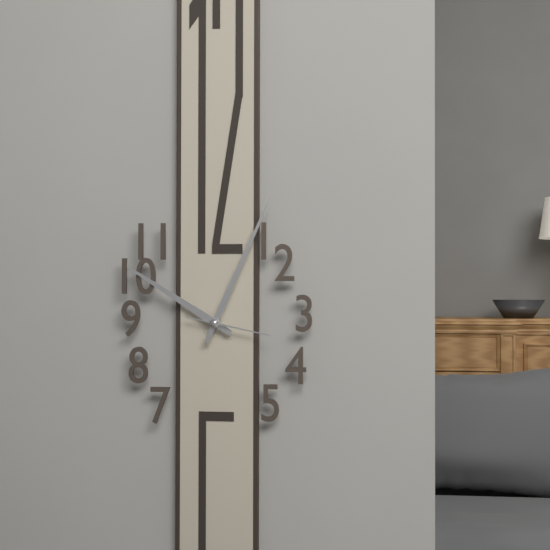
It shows 10,04,17
